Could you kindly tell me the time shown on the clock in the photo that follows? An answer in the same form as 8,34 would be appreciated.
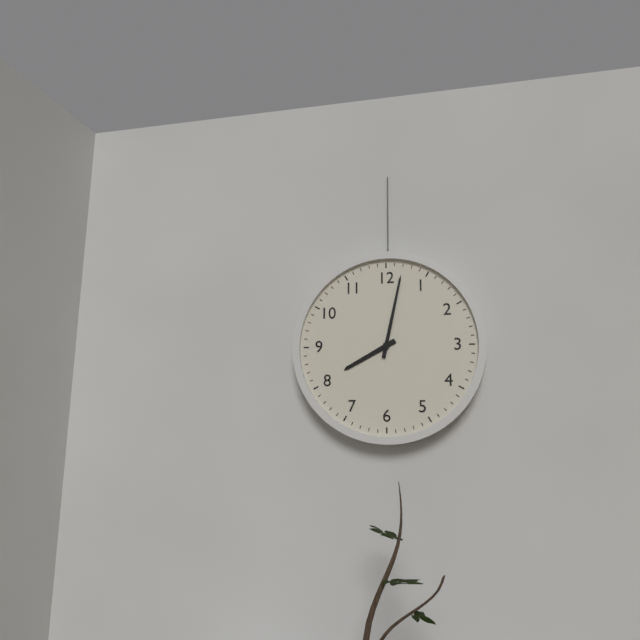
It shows 8,02
